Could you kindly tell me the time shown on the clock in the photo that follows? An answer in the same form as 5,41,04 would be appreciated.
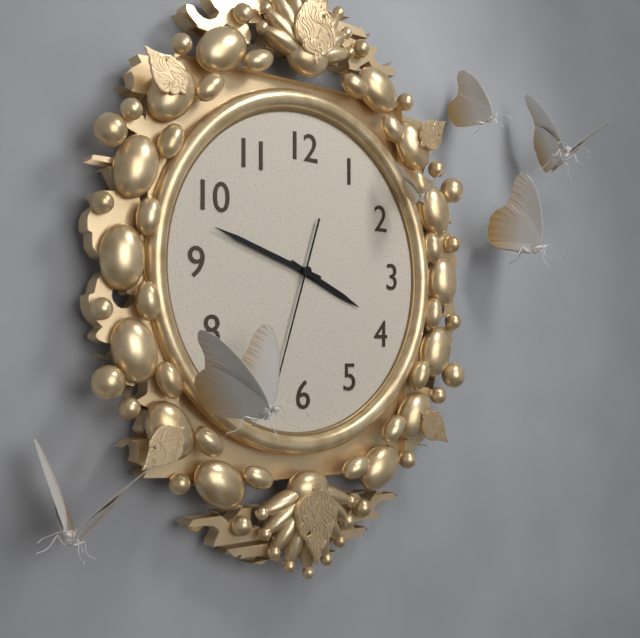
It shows 3,48,33
